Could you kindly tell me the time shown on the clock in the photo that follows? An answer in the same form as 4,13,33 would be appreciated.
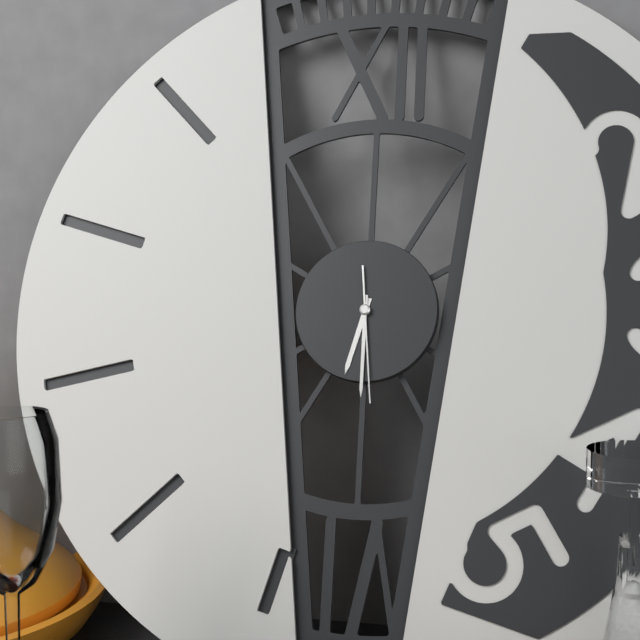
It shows 6,30,29
